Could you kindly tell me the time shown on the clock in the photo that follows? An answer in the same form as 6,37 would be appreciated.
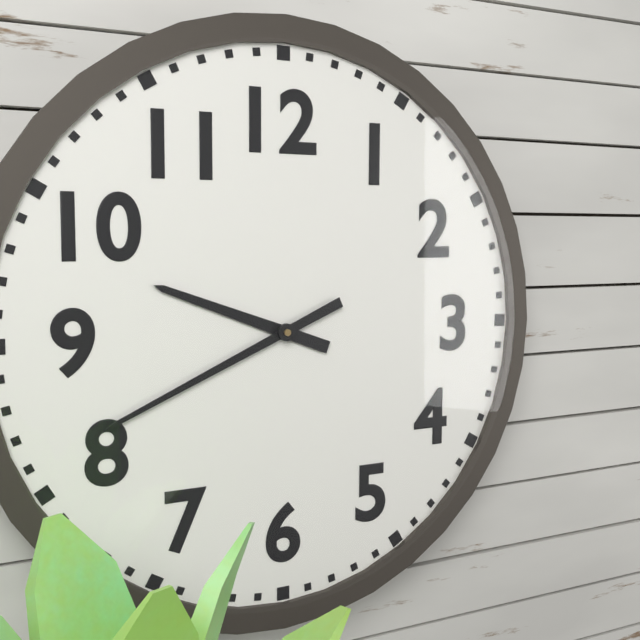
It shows 9,41
